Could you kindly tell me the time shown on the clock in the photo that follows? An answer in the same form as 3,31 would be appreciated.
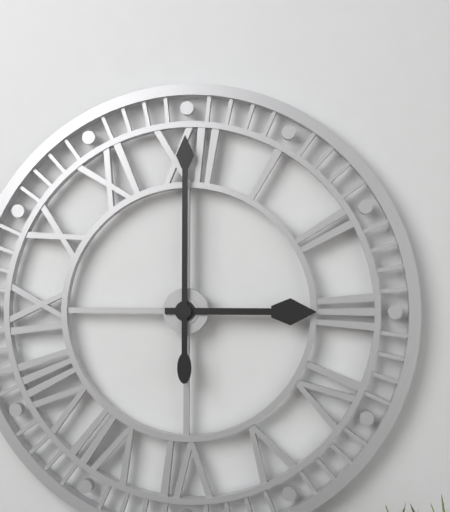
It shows 3,00
